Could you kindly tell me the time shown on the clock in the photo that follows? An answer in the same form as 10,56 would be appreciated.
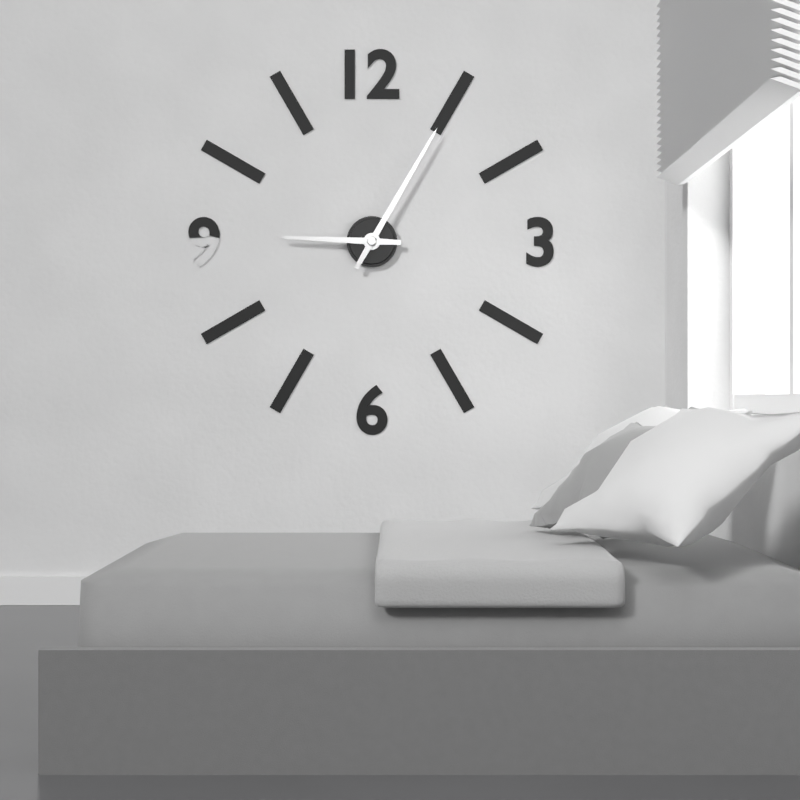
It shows 9,05
